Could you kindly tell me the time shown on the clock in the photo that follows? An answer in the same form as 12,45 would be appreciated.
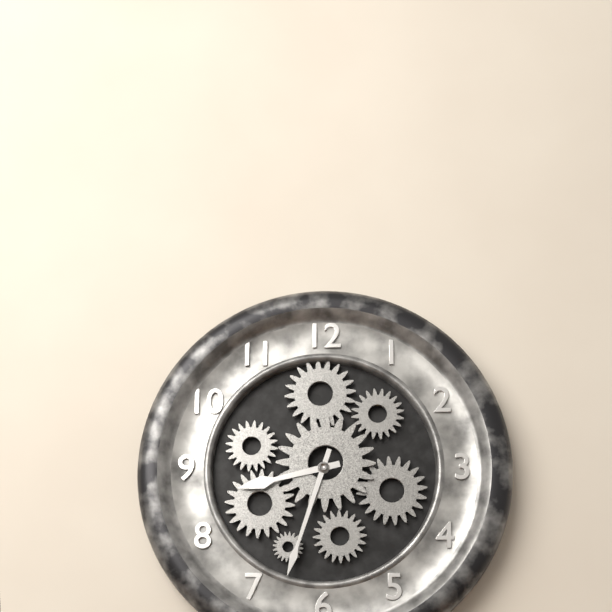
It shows 8,33
